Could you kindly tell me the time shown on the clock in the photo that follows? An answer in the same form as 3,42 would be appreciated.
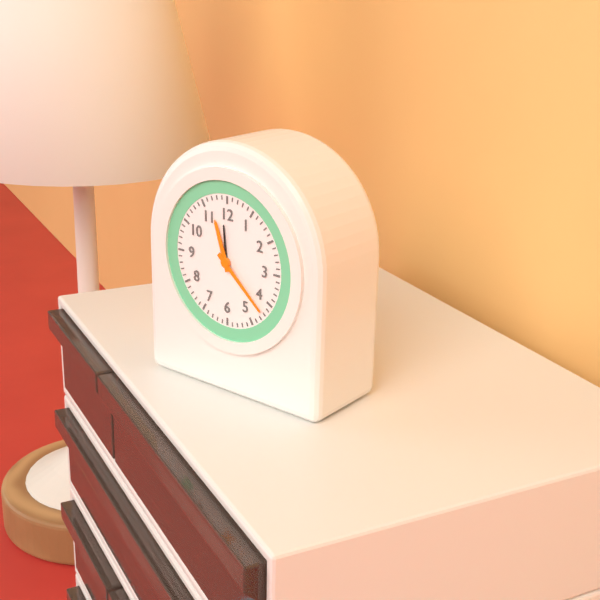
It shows 11,22
